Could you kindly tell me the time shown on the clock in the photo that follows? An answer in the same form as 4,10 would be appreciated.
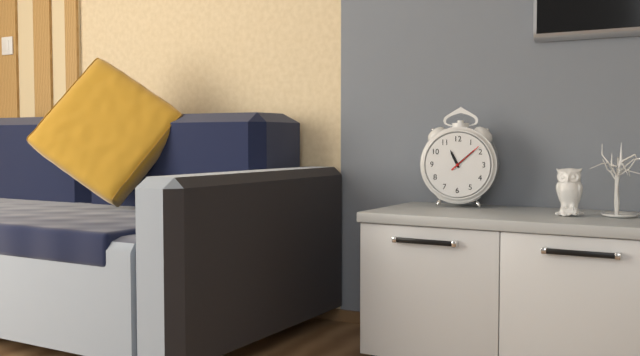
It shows 11,08
